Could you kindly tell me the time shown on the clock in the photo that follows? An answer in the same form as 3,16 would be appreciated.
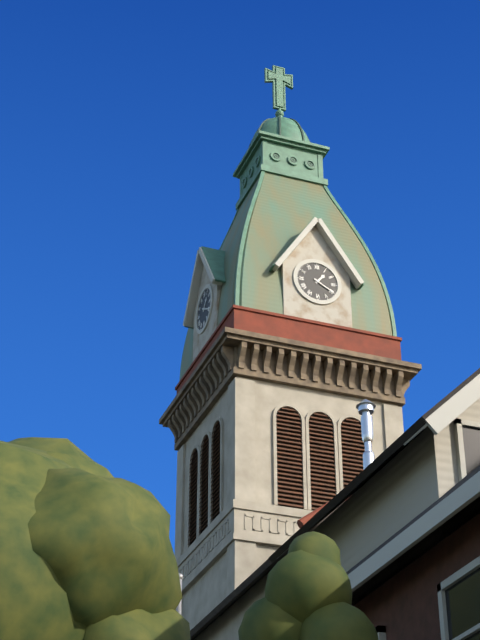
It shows 1,20
